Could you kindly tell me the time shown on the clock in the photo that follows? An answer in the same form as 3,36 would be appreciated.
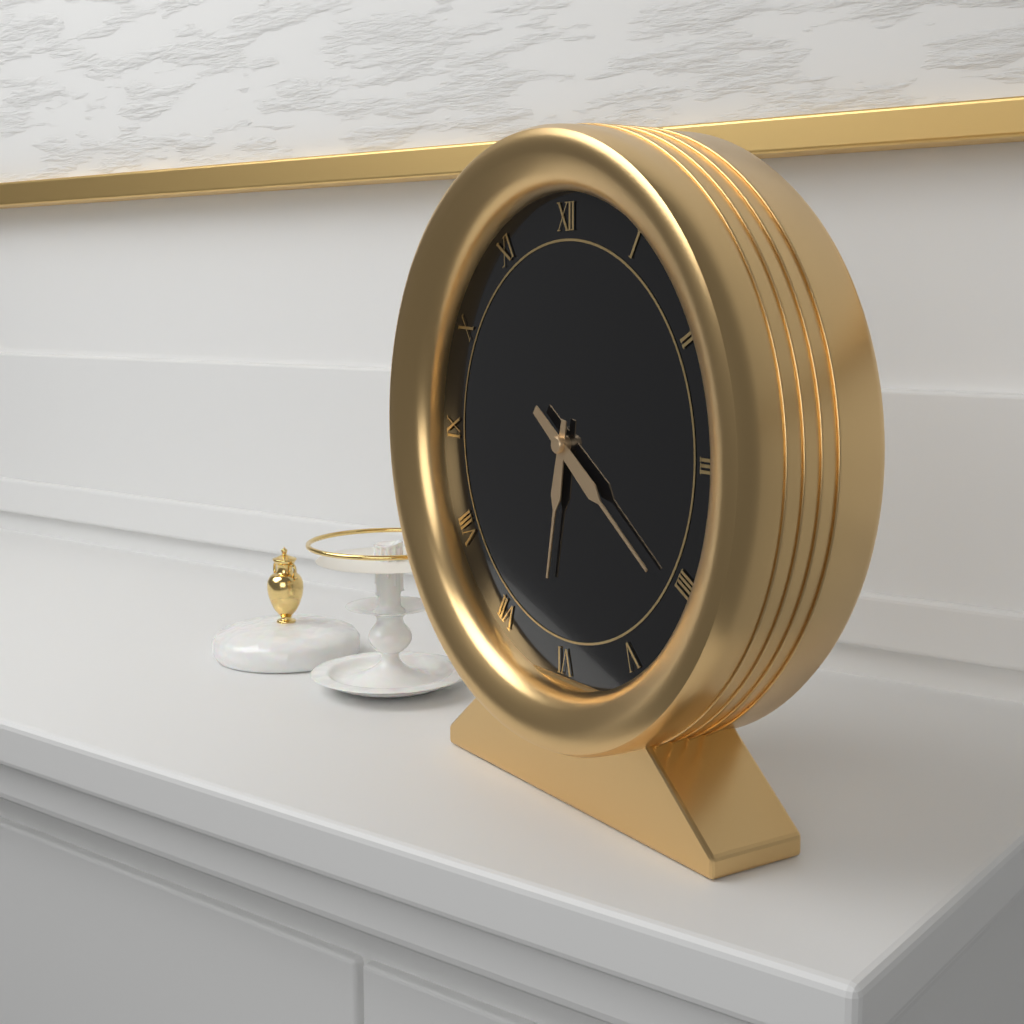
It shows 6,21
